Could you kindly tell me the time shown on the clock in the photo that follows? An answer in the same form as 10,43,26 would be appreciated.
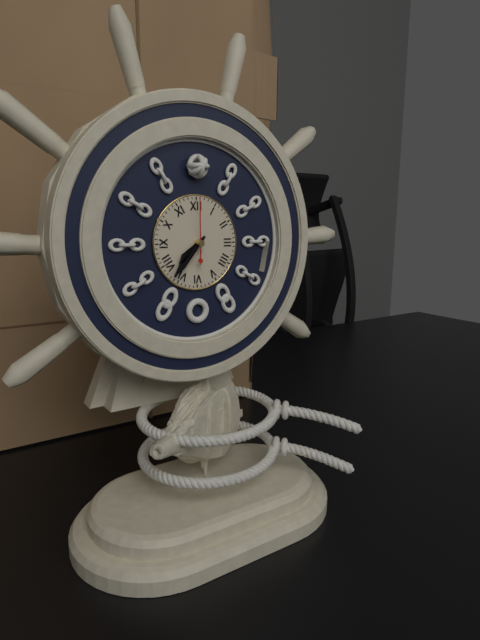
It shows 7,37,00
